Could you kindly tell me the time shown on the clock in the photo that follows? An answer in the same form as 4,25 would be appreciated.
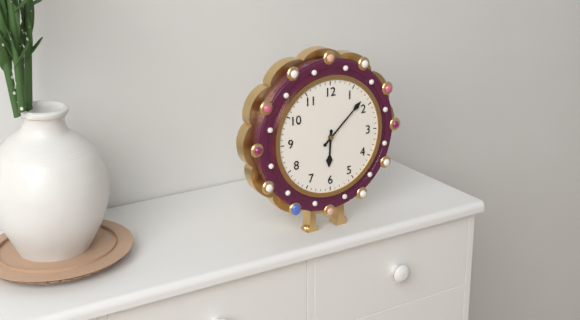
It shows 6,08
